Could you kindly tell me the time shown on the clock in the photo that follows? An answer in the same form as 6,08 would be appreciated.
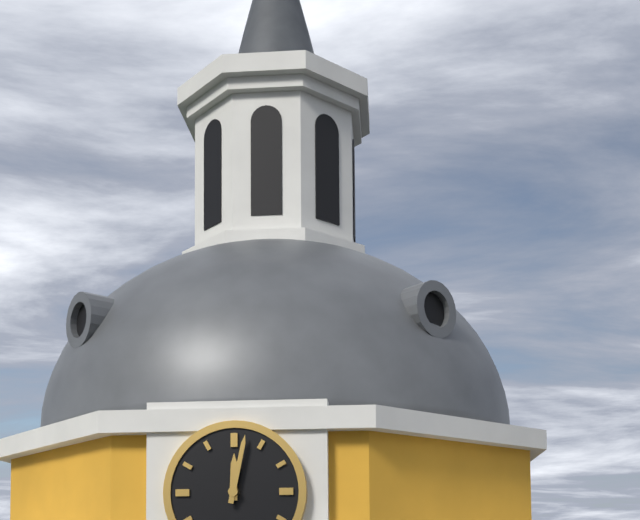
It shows 12,02
